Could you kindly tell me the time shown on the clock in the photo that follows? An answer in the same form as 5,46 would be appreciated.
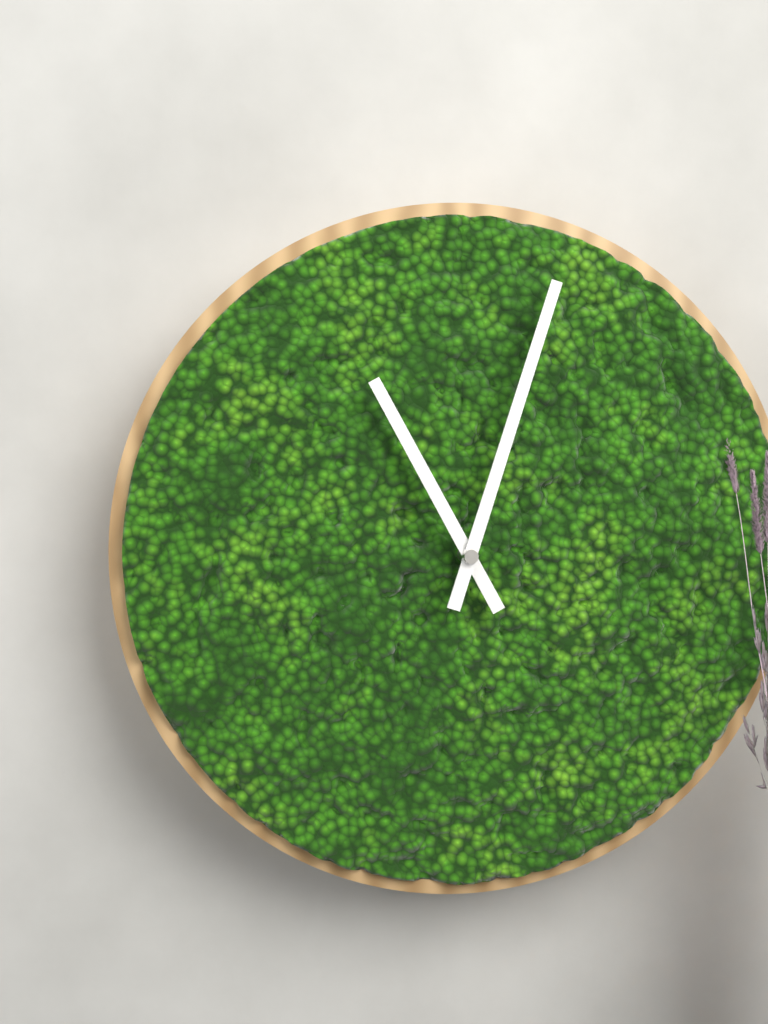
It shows 11,03
